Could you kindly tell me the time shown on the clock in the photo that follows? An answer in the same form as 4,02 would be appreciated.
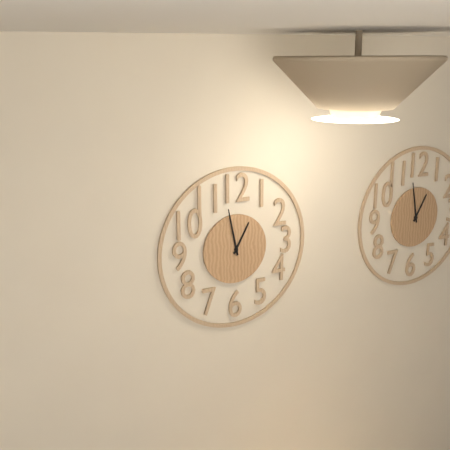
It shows 12,58
